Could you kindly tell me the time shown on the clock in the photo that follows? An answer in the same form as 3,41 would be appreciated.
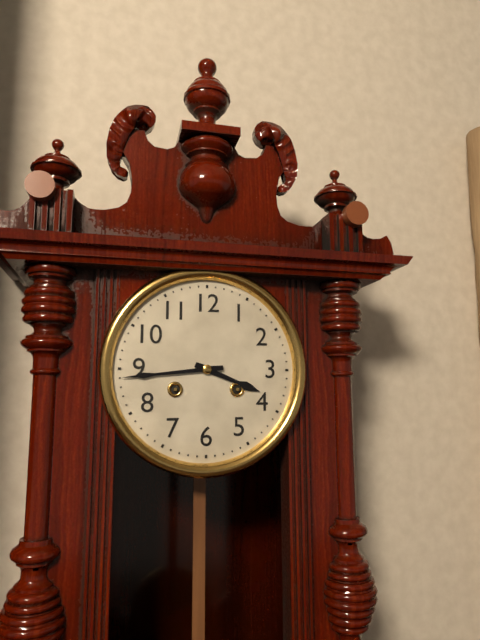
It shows 3,44
